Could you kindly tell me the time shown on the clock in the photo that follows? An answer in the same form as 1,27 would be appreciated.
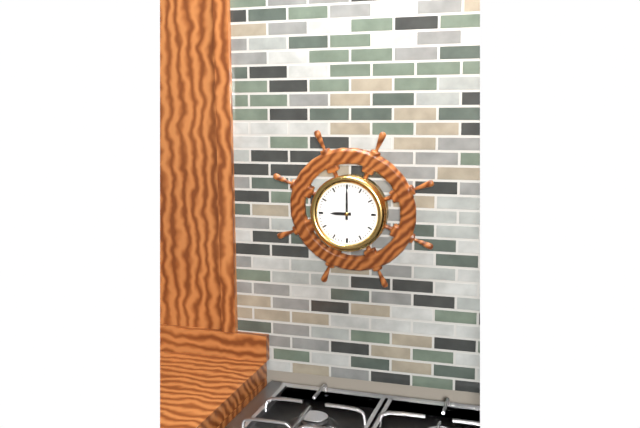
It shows 9,00
